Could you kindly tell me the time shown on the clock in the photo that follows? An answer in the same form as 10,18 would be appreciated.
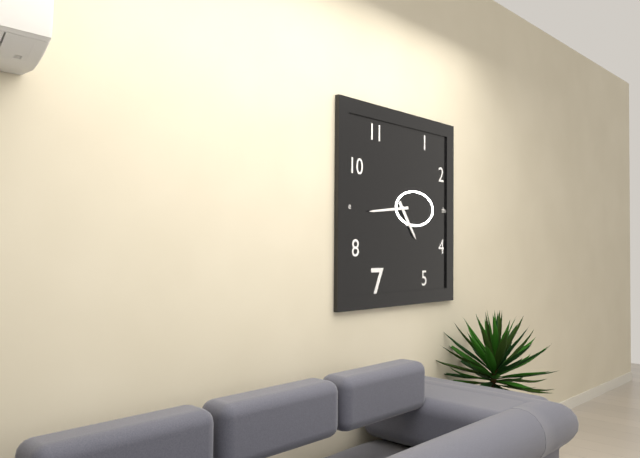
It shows 4,44
